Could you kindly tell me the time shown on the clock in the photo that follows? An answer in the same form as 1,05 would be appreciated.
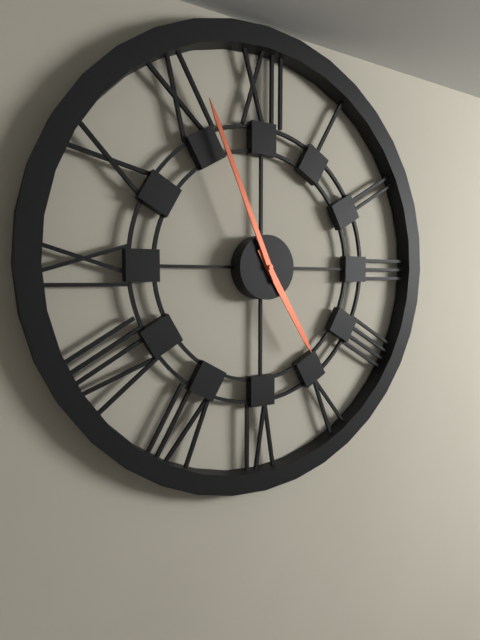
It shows 4,56
